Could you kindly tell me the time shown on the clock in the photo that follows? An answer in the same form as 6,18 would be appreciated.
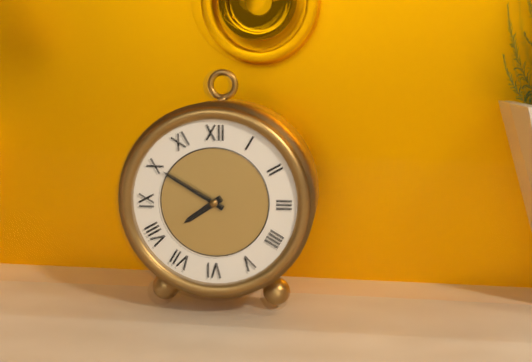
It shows 7,50
